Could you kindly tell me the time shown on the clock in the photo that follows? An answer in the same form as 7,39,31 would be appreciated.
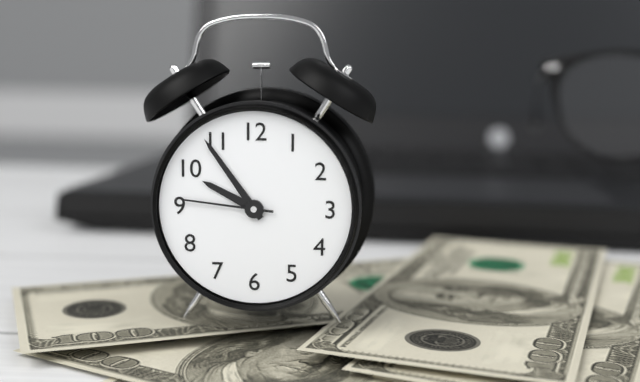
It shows 9,54,46
